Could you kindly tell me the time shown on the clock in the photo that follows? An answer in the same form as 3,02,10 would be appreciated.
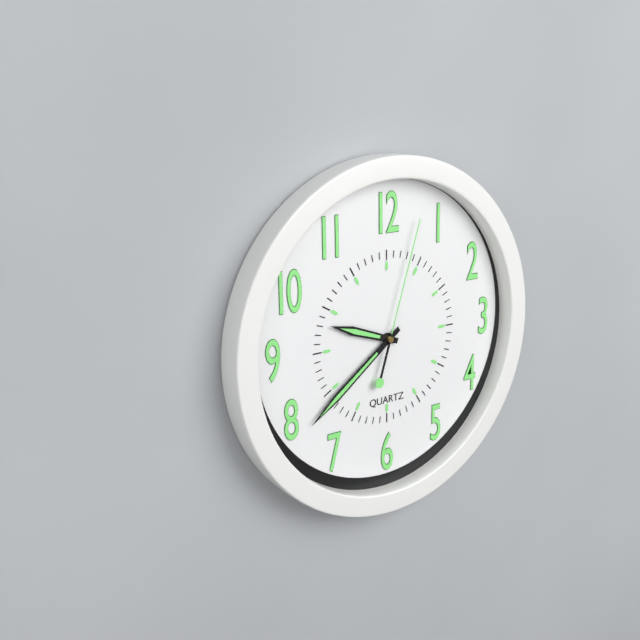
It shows 9,39,03
